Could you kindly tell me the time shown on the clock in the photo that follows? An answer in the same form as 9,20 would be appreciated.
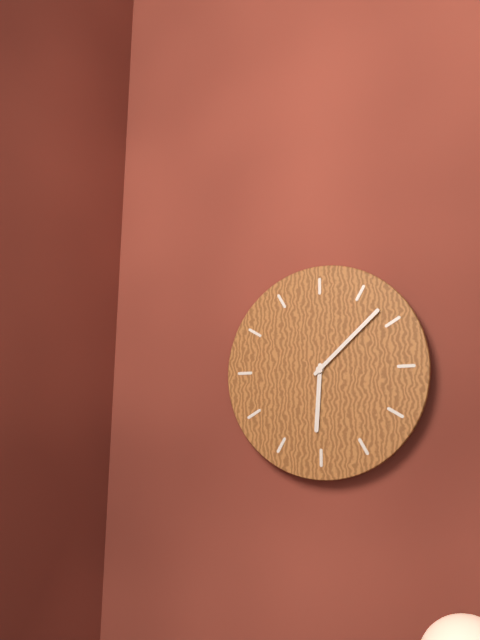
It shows 6,08
